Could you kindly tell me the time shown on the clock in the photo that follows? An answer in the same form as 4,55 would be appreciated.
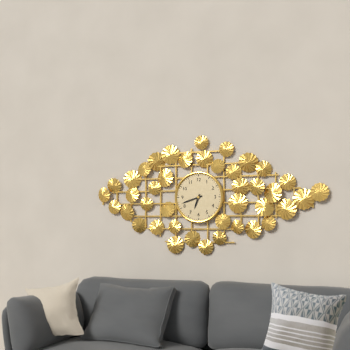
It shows 6,42
